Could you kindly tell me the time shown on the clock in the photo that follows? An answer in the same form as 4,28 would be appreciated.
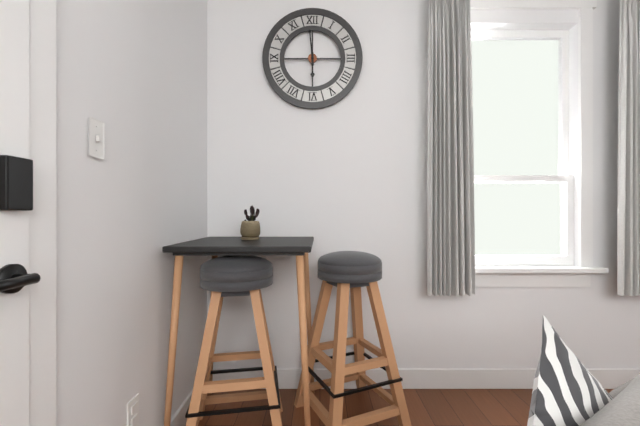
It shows 5,59
